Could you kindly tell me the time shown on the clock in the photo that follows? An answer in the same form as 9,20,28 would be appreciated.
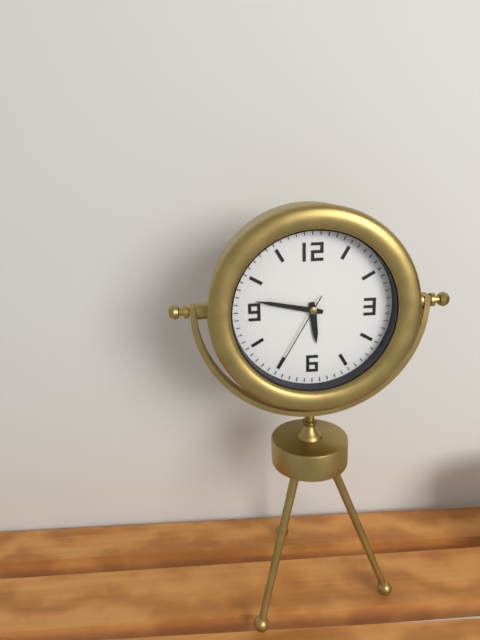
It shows 5,47,35
